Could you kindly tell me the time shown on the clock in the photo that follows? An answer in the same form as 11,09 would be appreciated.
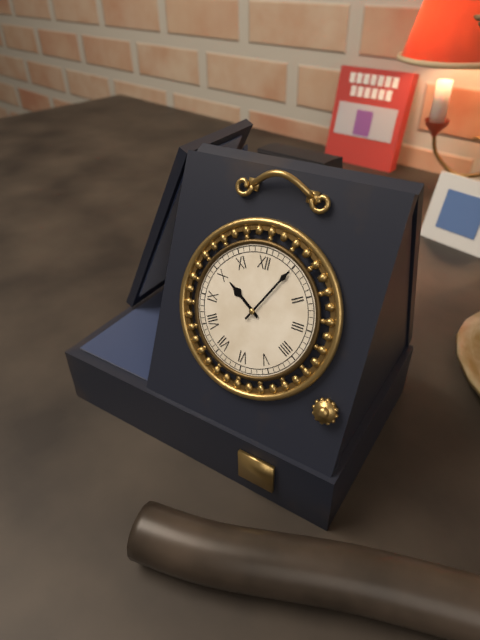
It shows 10,05
